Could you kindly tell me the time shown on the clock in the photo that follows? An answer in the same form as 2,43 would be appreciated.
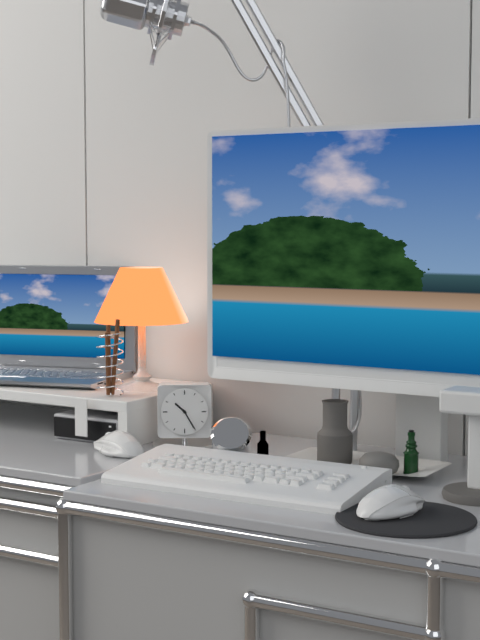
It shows 10,25
